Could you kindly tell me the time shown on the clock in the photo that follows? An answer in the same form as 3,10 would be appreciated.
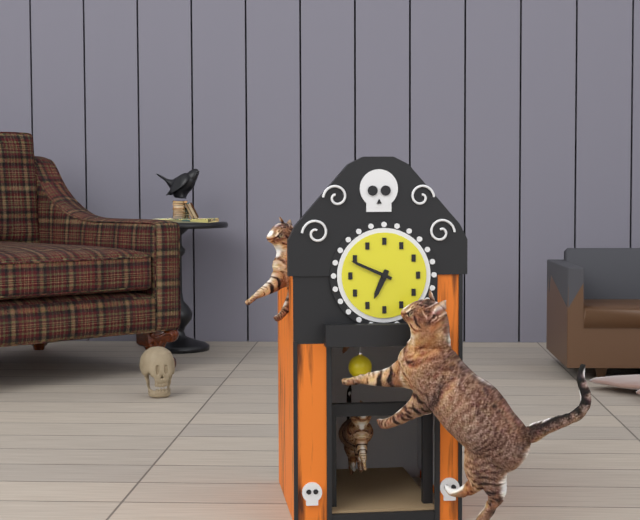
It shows 6,49
